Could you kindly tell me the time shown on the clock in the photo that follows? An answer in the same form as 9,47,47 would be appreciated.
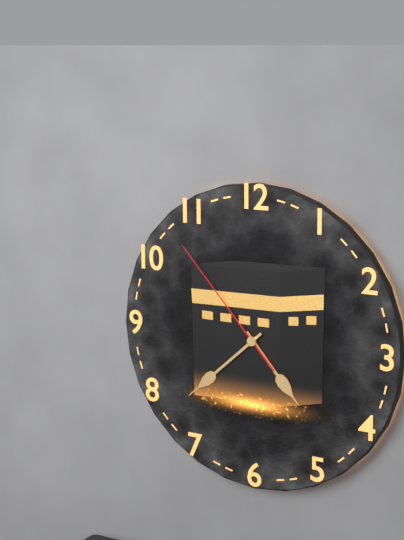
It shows 4,38,53
